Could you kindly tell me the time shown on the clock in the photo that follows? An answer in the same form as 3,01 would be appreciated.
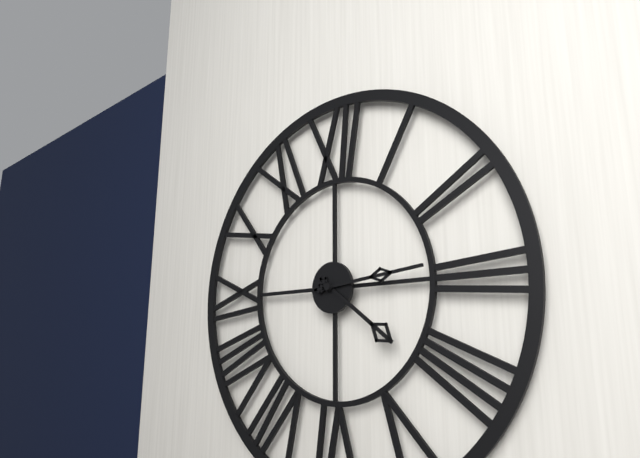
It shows 4,14
